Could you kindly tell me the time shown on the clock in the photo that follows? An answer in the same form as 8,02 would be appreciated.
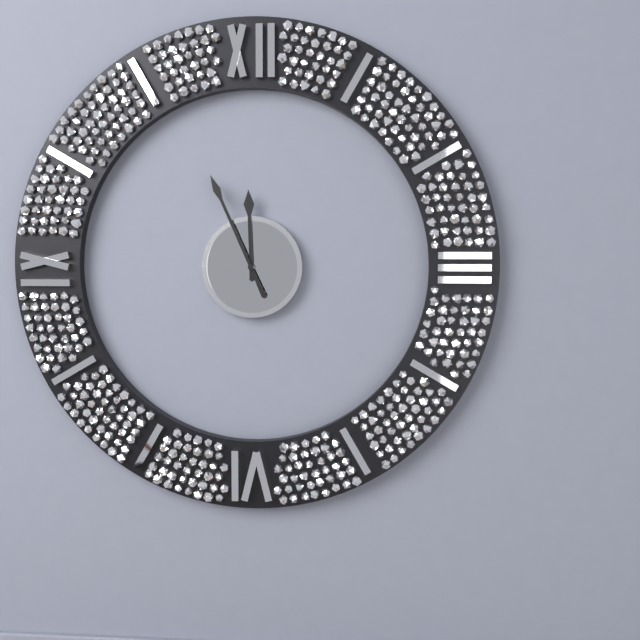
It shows 11,56
